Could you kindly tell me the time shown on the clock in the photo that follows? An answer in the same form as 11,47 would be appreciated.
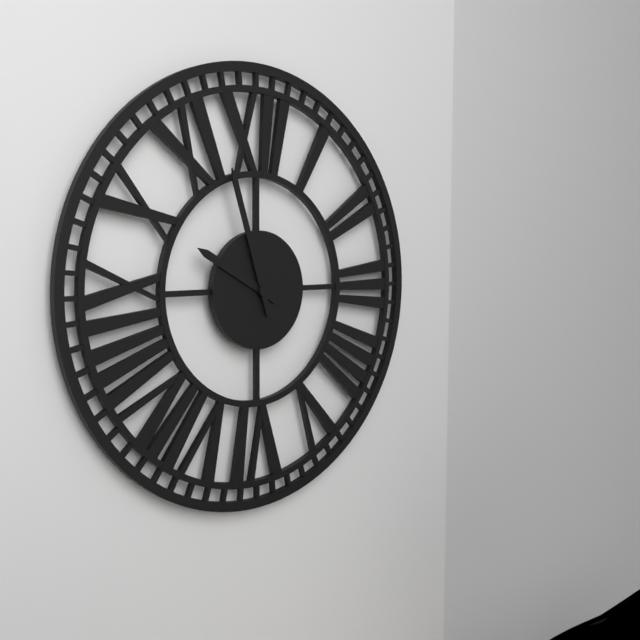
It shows 9,57
